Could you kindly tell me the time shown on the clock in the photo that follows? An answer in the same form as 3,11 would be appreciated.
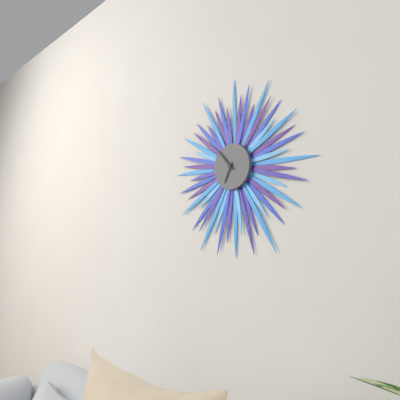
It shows 6,53
